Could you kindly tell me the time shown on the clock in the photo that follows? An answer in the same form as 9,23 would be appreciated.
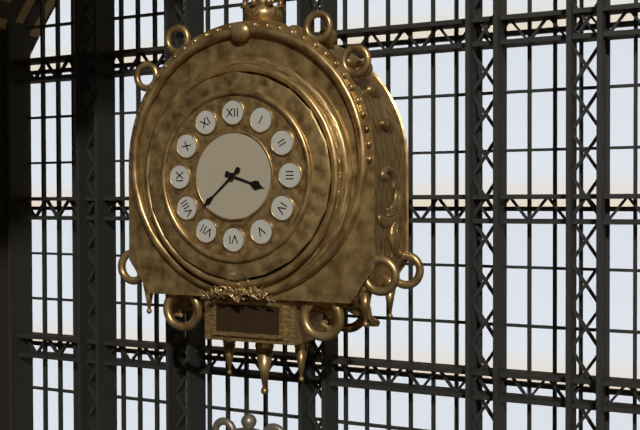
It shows 3,38
